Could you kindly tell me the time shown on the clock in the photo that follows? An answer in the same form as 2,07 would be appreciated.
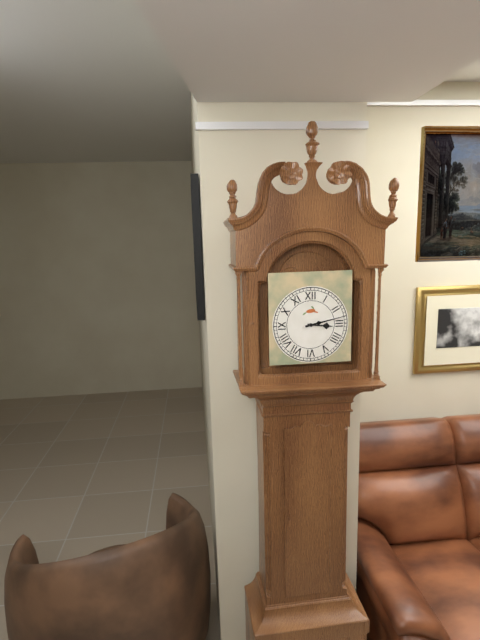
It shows 3,13
